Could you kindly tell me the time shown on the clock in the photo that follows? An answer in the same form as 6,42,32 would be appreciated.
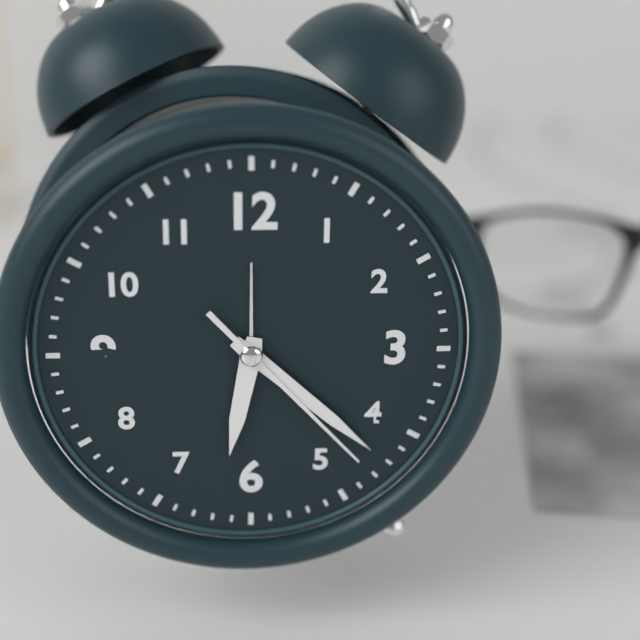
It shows 6,22,23
